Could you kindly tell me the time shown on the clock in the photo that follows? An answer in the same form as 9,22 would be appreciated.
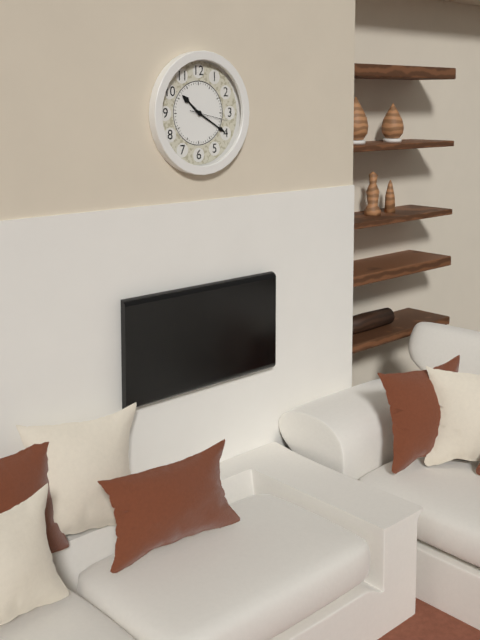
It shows 10,20
